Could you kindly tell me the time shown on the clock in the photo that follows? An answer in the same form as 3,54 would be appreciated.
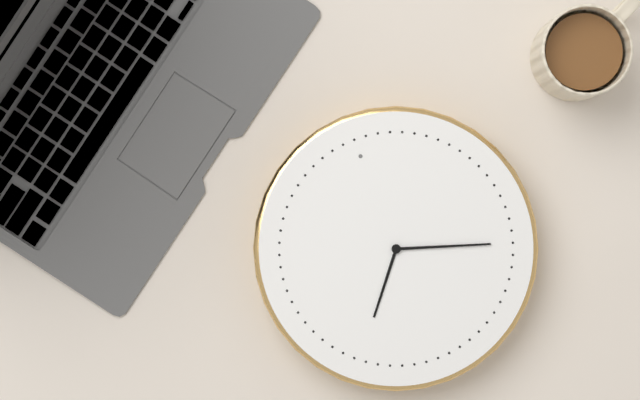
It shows 7,18
